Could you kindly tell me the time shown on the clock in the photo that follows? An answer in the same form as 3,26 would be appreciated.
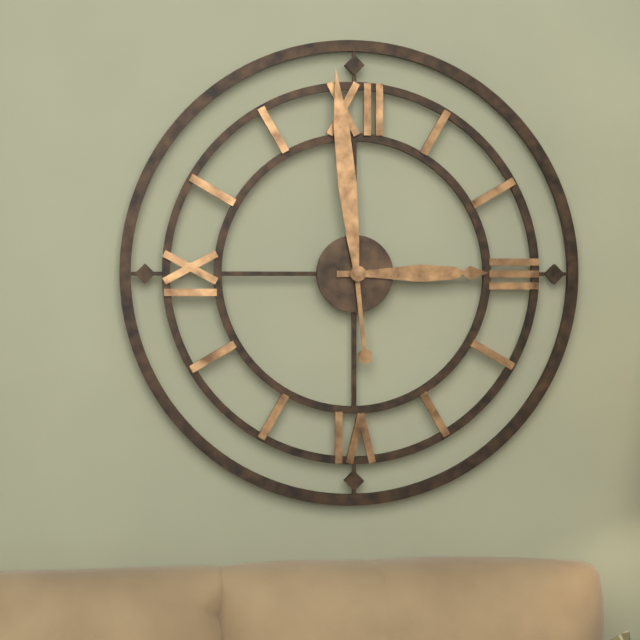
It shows 2,59
